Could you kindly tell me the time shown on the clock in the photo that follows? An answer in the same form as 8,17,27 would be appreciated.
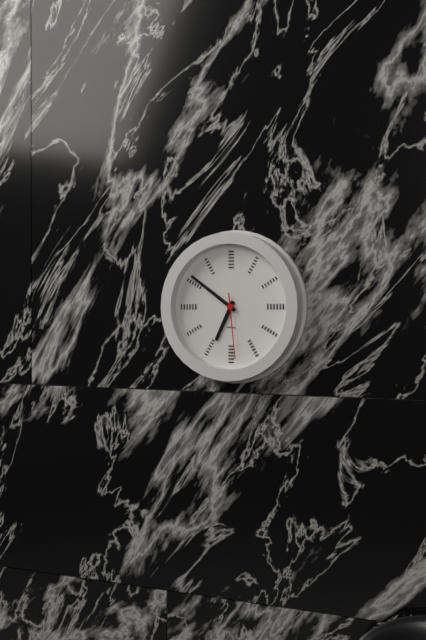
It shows 6,51,29
